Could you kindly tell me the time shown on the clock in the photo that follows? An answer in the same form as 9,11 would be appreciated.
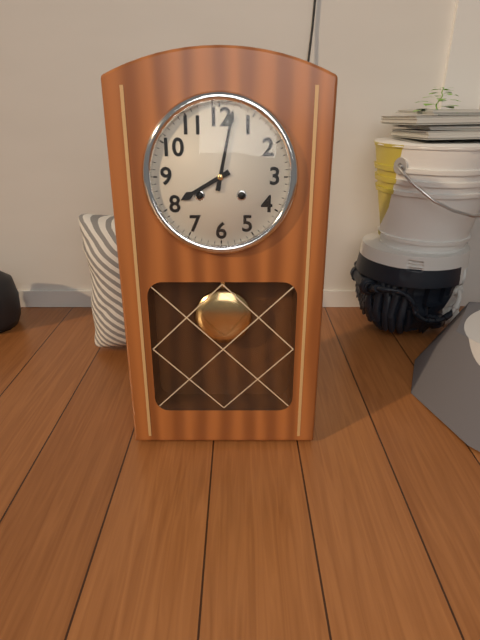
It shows 8,02
